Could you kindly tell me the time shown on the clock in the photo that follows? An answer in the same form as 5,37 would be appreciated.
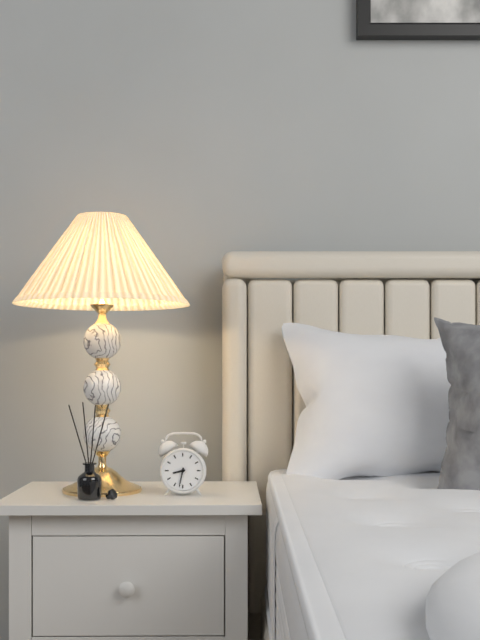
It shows 8,32
